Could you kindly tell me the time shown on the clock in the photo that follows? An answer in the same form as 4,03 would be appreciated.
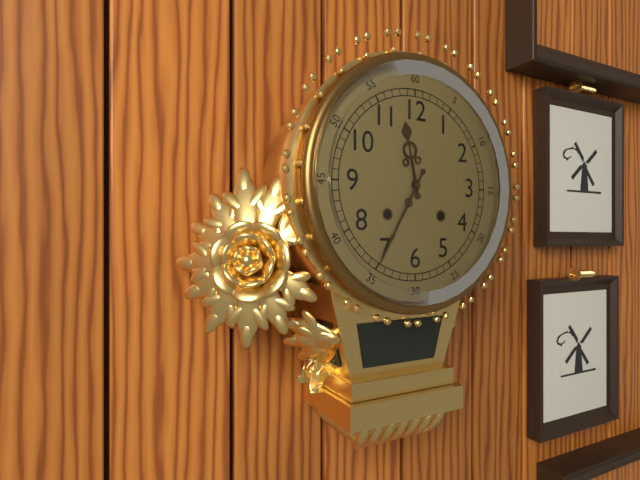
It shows 11,35
